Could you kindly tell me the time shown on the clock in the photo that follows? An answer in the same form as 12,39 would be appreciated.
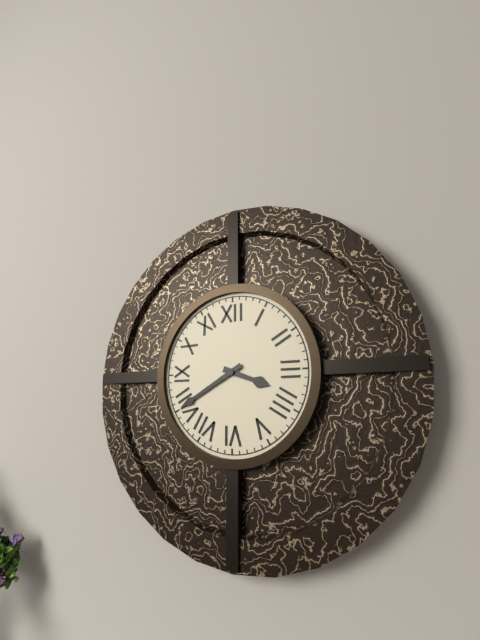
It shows 3,40
